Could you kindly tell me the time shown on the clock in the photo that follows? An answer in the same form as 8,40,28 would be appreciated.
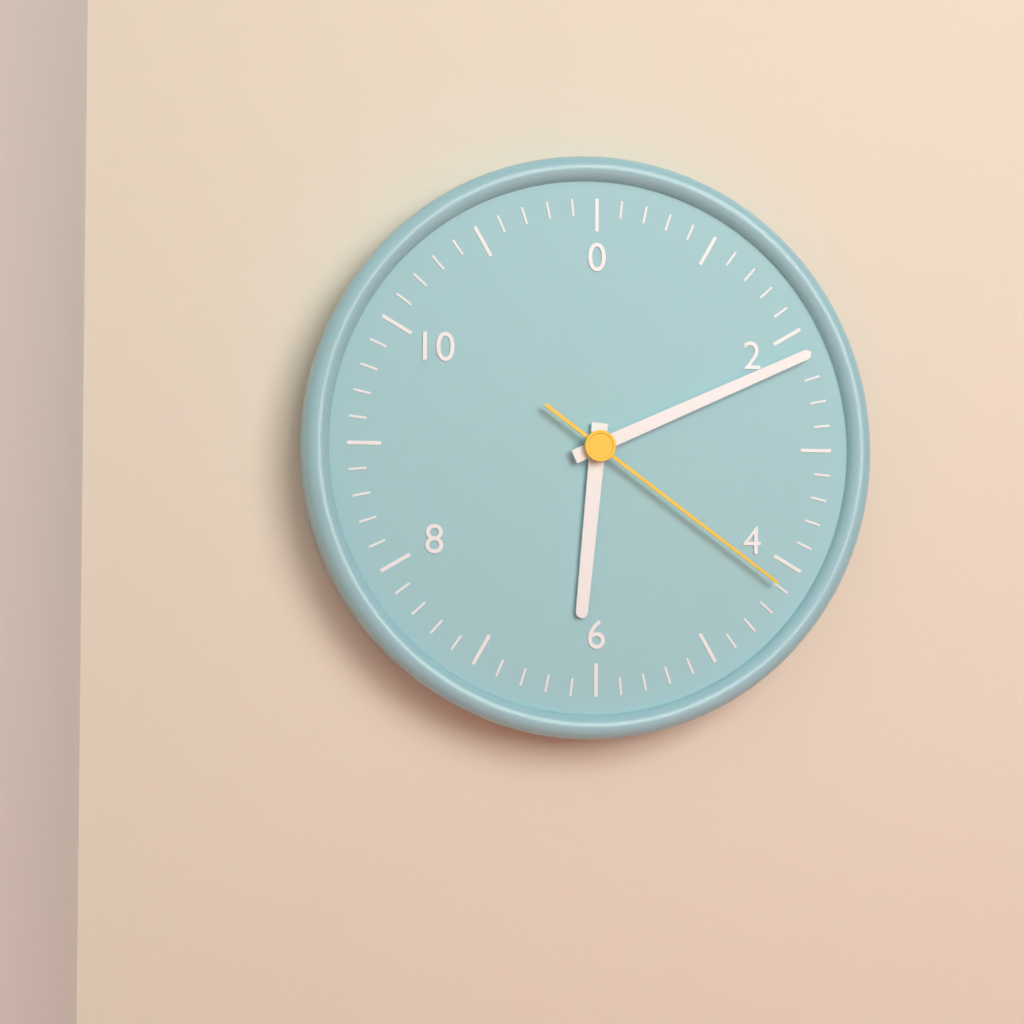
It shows 6,11,21
